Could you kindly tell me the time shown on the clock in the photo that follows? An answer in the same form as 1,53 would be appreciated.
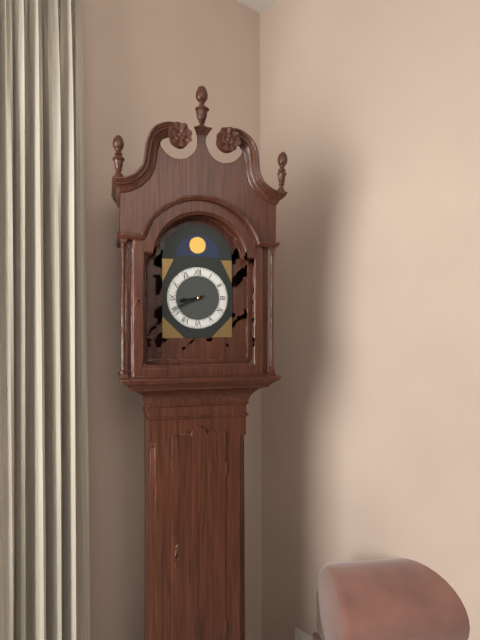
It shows 8,41
